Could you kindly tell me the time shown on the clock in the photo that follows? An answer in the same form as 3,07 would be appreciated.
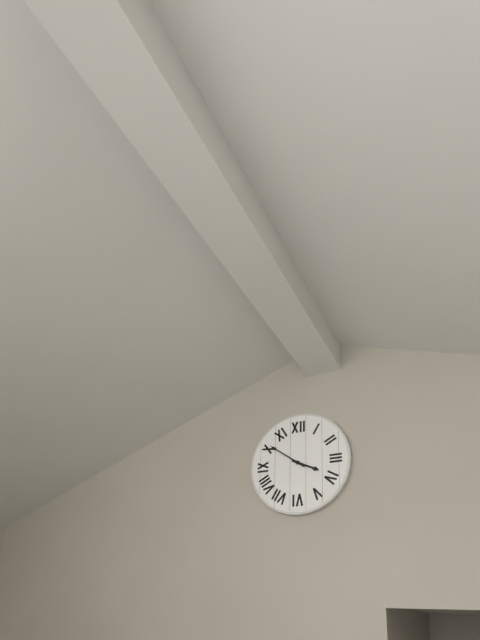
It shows 3,51
